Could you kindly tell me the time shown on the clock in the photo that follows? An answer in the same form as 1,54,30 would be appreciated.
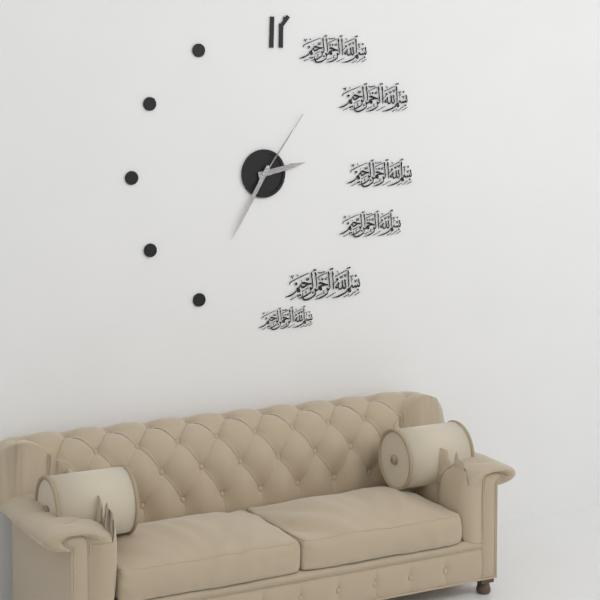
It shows 2,35,06
